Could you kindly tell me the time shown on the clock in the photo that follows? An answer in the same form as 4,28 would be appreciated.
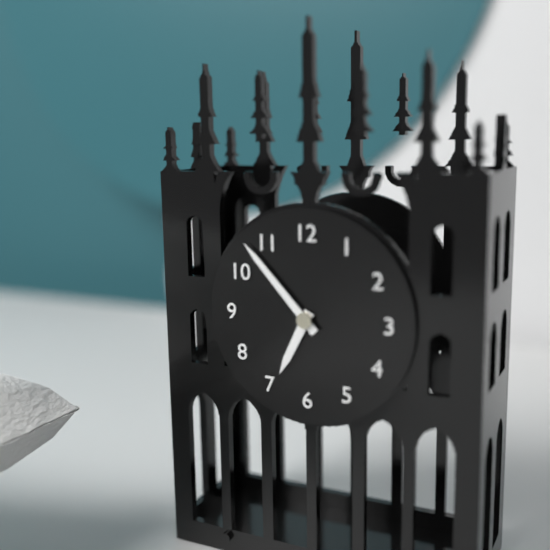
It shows 6,53
